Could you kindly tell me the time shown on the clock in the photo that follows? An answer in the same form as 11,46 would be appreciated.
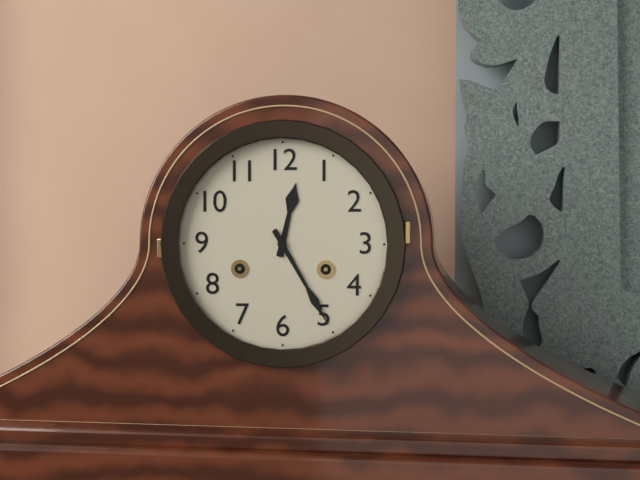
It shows 12,25
